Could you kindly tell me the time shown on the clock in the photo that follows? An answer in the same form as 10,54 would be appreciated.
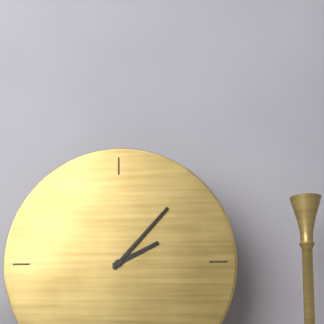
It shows 2,07
